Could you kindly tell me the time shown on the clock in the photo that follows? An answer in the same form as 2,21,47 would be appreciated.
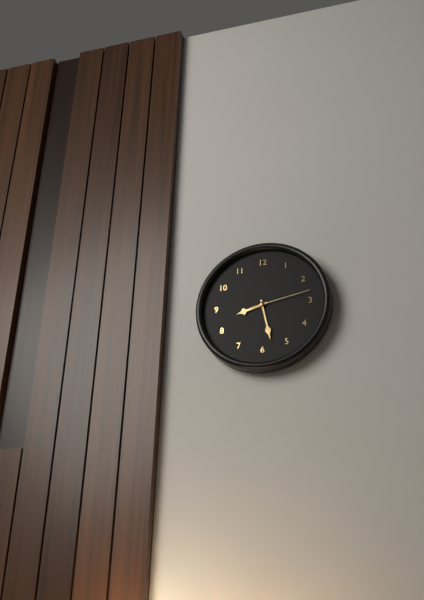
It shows 8,28,13
